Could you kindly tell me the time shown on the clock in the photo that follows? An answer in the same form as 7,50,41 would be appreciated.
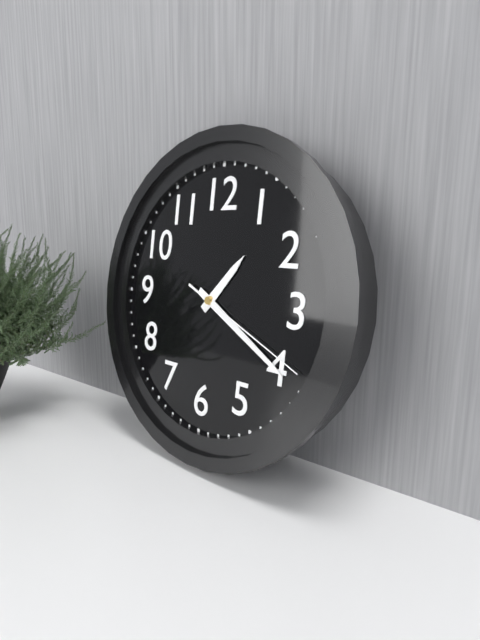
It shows 1,20,19
